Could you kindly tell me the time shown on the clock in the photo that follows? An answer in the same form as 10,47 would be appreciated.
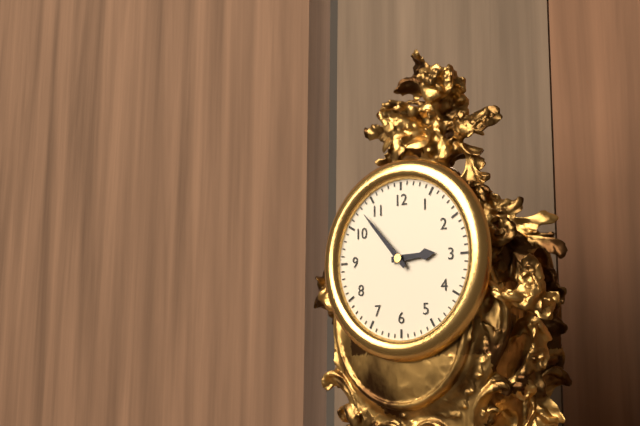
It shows 2,53
